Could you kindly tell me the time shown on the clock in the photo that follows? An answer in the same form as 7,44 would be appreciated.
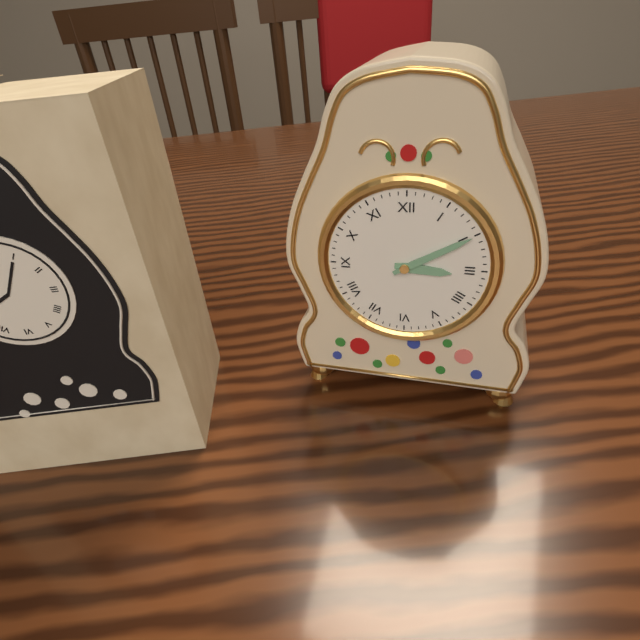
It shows 3,10
